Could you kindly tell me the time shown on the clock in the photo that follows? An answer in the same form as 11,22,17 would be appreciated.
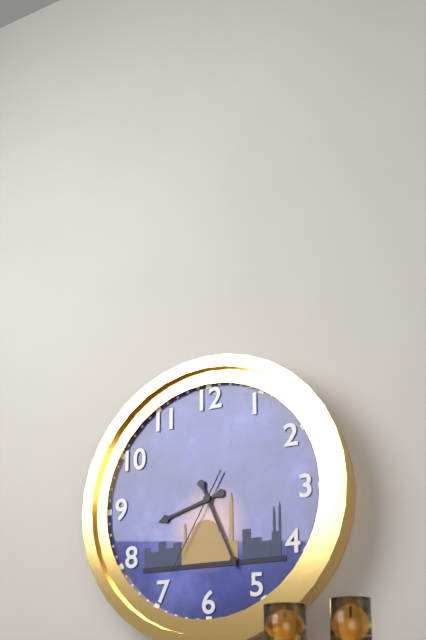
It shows 8,26,35
